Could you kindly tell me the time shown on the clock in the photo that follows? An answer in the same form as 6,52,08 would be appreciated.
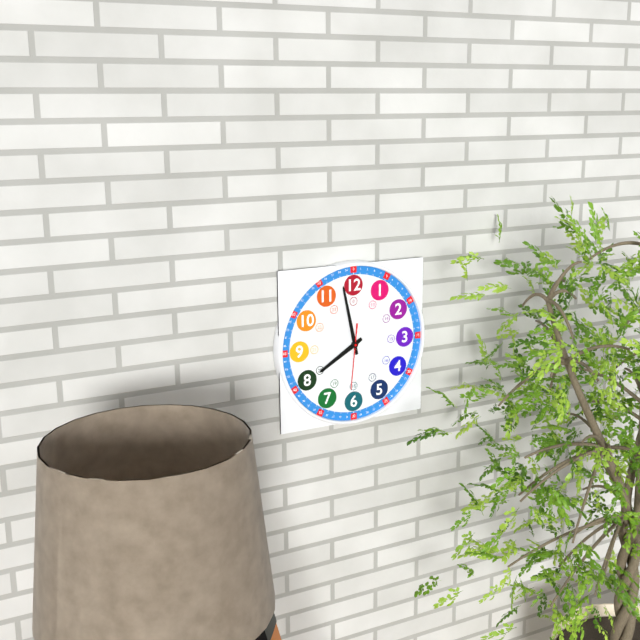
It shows 7,58,31
